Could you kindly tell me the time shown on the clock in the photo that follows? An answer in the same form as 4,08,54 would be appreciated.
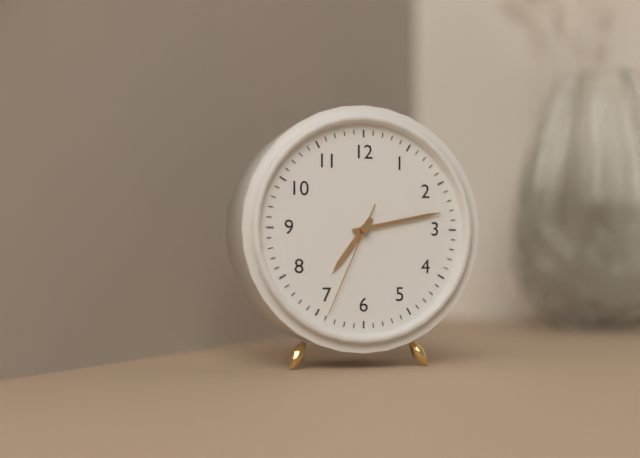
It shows 7,13,34
